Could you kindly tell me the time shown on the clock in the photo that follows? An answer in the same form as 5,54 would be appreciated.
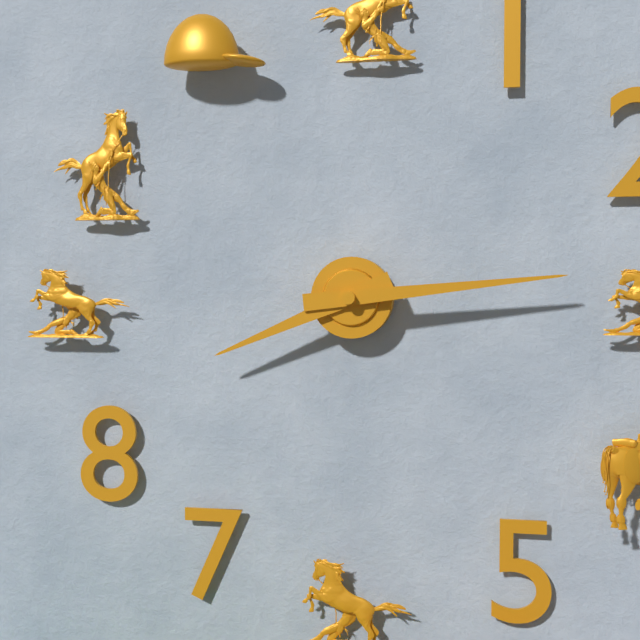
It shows 8,14
